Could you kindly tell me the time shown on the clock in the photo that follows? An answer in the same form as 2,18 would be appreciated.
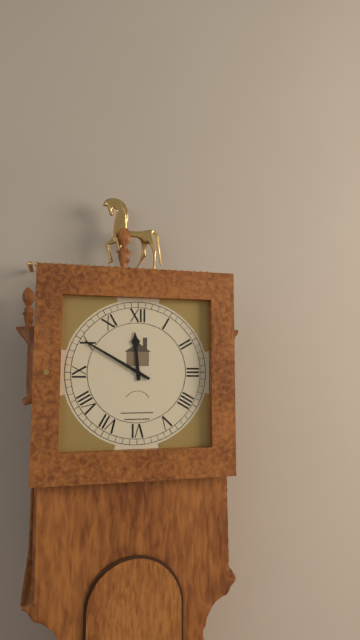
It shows 11,50
